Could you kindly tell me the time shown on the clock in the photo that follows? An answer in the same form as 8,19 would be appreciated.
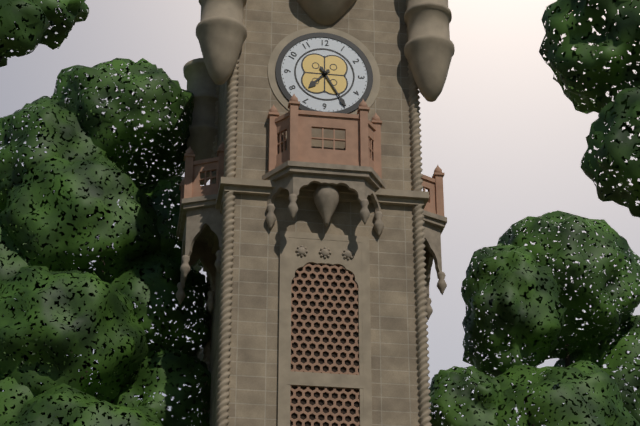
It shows 7,25
